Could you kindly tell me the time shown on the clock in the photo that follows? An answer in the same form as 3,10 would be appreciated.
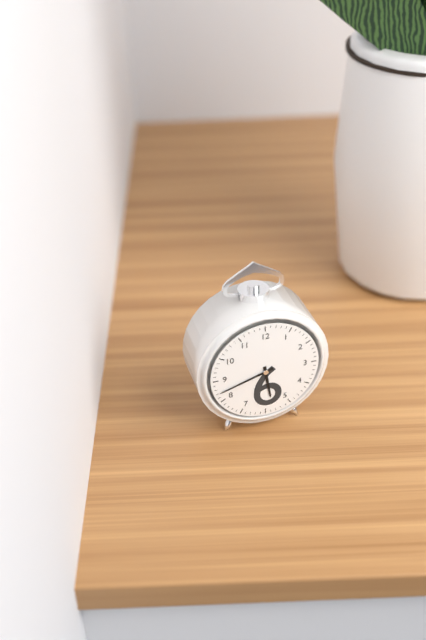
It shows 5,42
